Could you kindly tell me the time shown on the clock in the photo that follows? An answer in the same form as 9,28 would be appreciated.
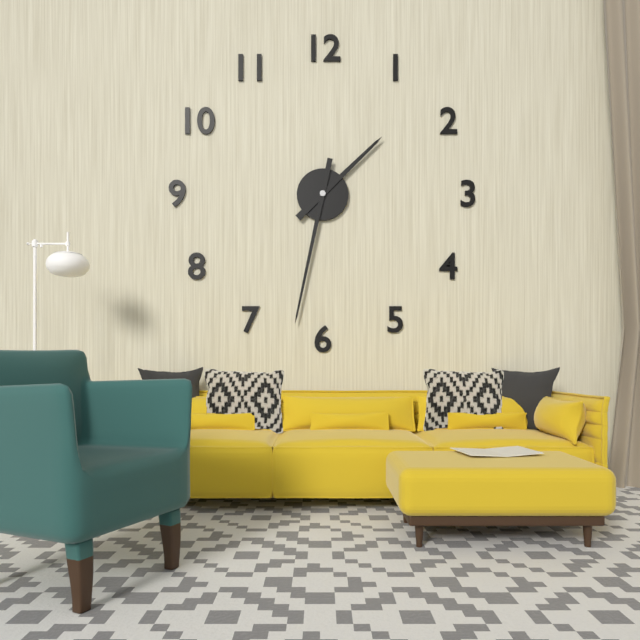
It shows 1,32
